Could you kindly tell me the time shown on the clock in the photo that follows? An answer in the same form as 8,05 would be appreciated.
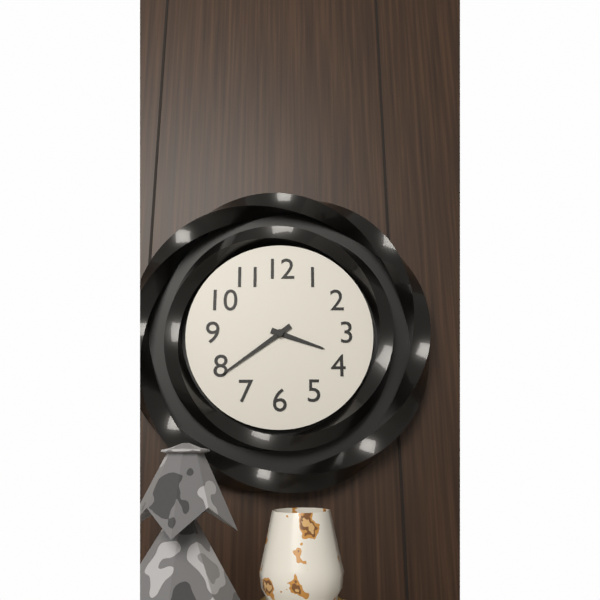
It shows 3,39
